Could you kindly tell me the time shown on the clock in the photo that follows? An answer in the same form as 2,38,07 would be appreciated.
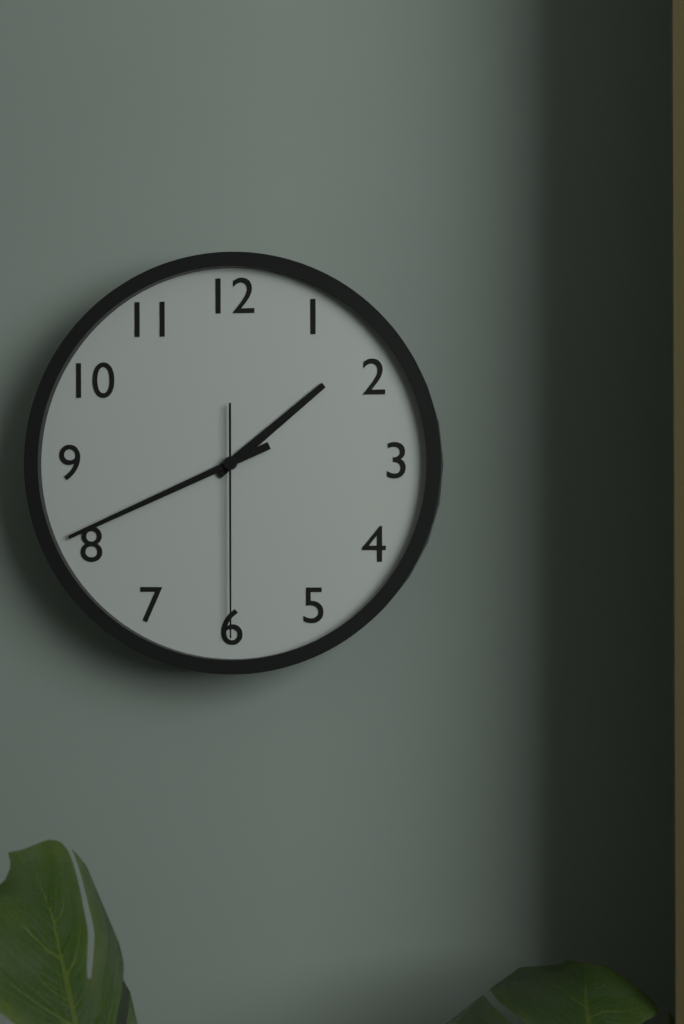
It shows 1,41,30
